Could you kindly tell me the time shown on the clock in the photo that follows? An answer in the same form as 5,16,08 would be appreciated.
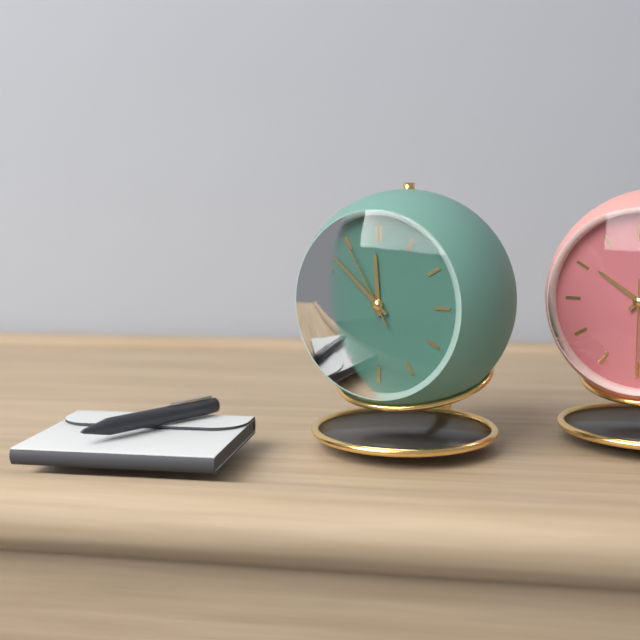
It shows 11,52,55
